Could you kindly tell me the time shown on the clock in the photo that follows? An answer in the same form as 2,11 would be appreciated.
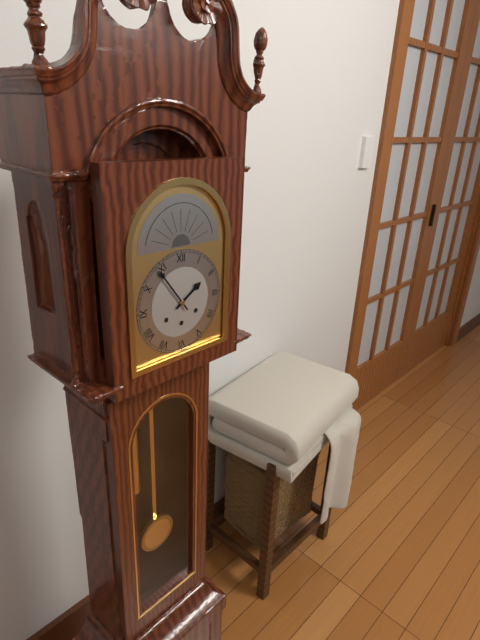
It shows 1,54
